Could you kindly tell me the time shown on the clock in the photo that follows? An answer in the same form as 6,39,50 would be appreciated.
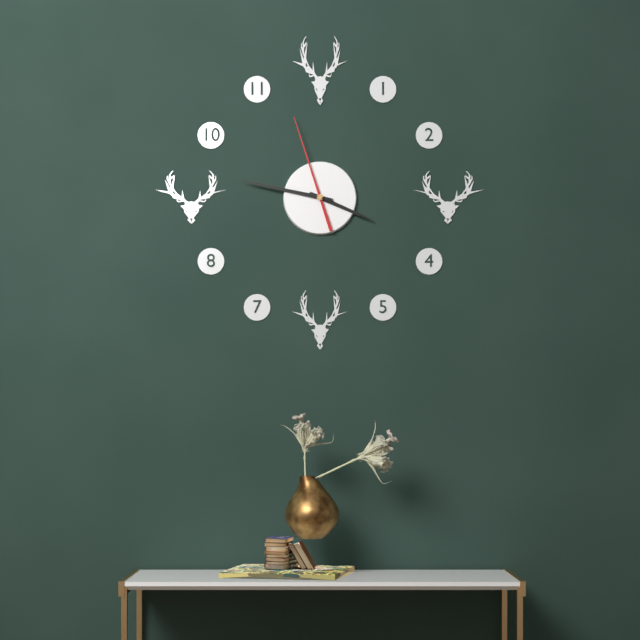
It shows 3,47,57
